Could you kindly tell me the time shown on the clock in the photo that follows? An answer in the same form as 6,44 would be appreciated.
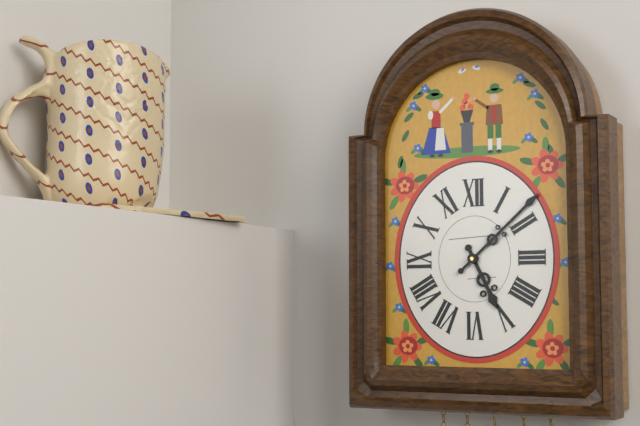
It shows 5,08
